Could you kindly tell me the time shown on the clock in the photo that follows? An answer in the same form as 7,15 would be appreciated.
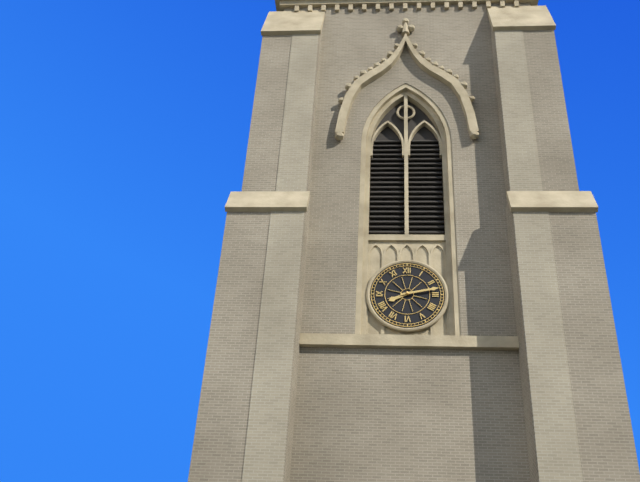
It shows 8,13
